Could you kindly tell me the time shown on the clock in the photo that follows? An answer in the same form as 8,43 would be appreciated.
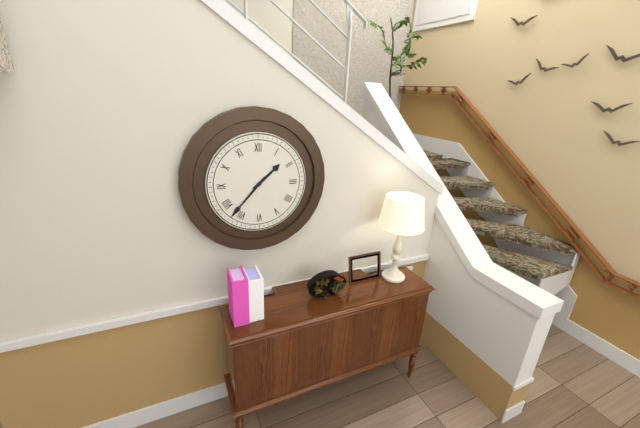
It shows 1,37
